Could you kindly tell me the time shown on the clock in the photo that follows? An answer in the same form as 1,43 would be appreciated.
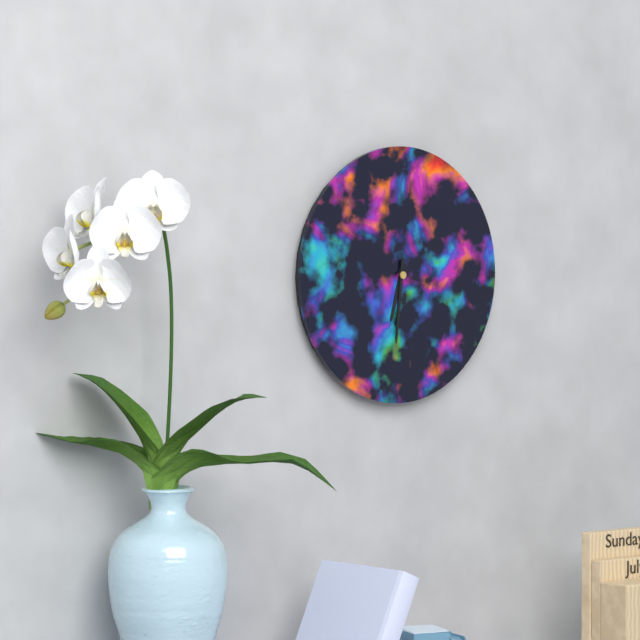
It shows 6,31
